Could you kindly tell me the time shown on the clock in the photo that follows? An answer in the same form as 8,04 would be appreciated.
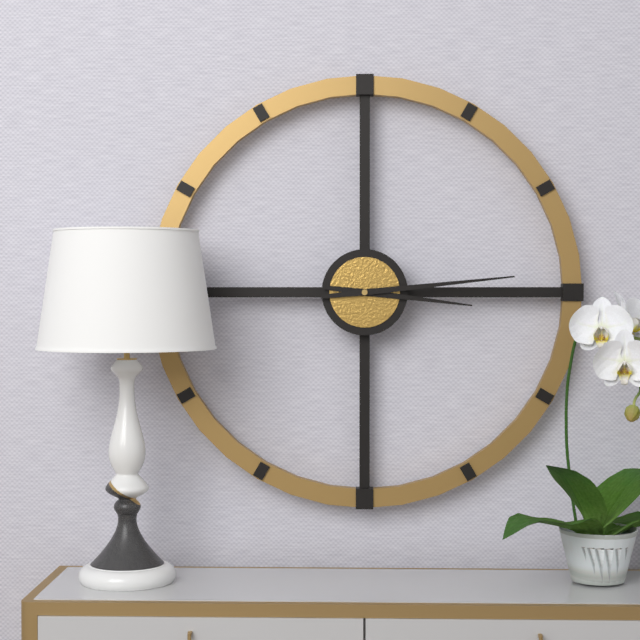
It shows 3,14
